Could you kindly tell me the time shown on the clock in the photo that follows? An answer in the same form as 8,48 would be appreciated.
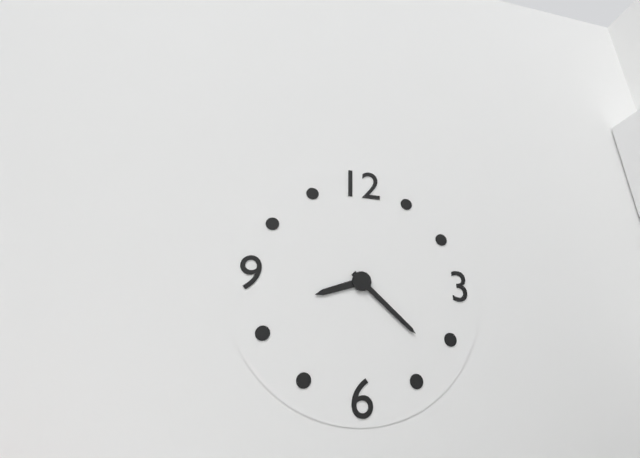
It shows 8,22
